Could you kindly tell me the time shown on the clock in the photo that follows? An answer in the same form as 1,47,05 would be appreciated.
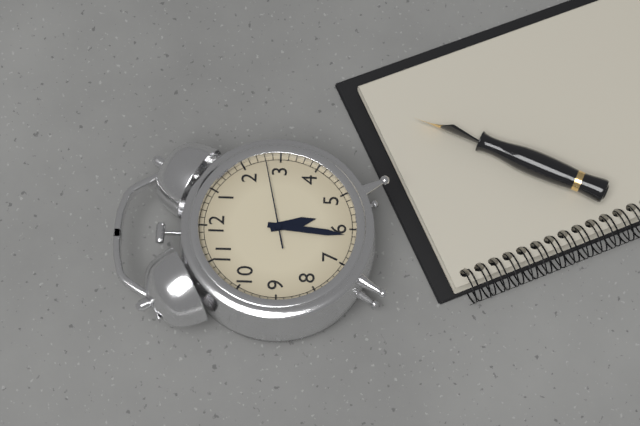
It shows 5,31,13
